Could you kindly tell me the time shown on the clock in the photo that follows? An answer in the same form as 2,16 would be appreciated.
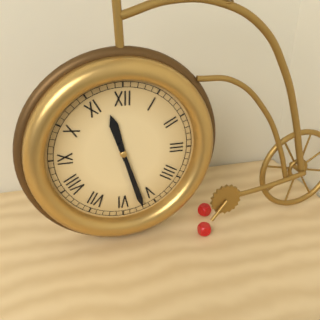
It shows 11,27
